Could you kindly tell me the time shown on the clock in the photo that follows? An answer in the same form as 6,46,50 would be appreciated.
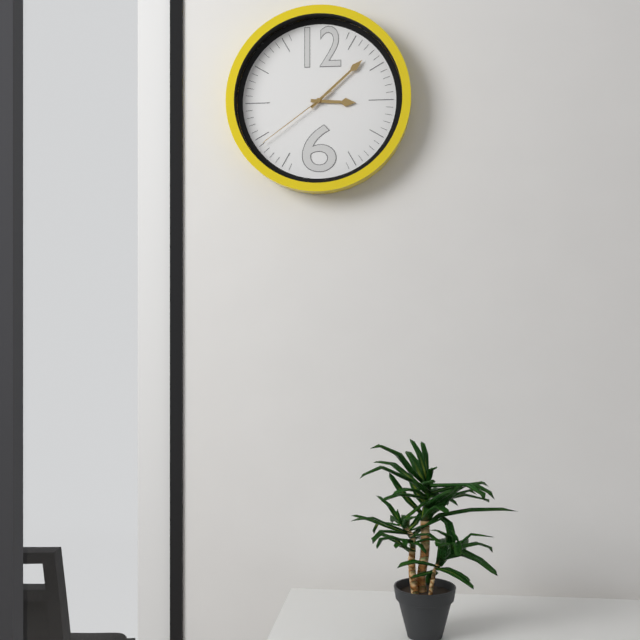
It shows 3,08,39
